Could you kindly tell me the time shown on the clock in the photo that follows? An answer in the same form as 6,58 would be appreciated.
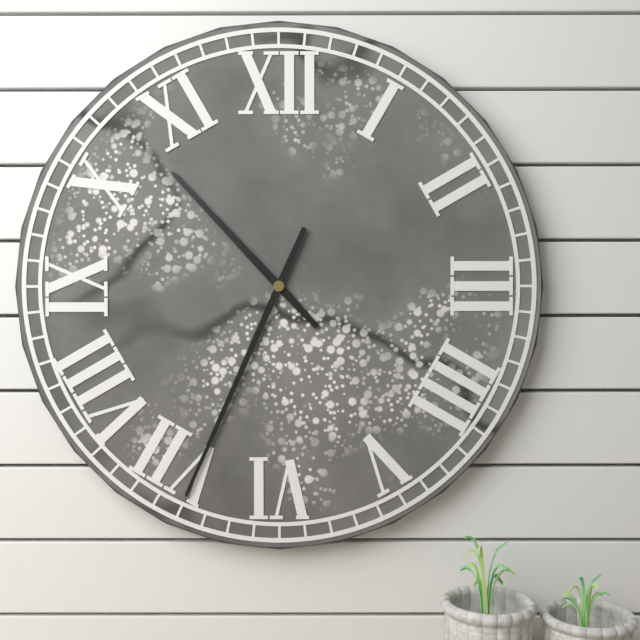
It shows 10,34
